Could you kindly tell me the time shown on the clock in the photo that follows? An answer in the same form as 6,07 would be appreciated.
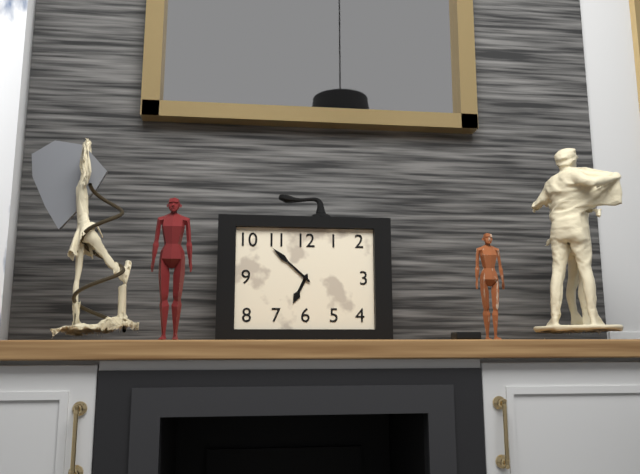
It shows 6,52
